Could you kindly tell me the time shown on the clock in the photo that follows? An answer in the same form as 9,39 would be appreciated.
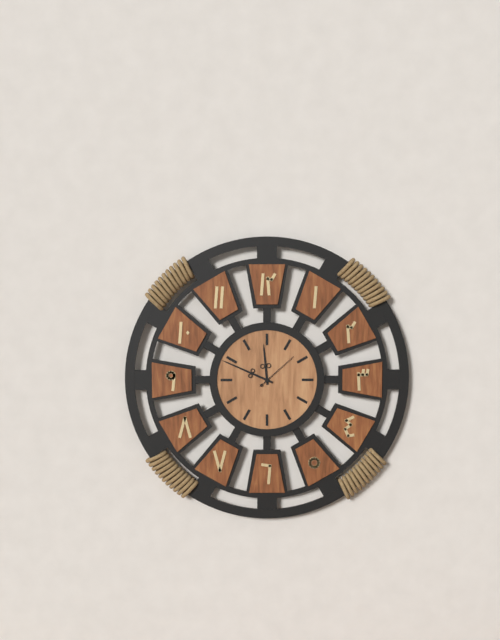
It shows 11,49
